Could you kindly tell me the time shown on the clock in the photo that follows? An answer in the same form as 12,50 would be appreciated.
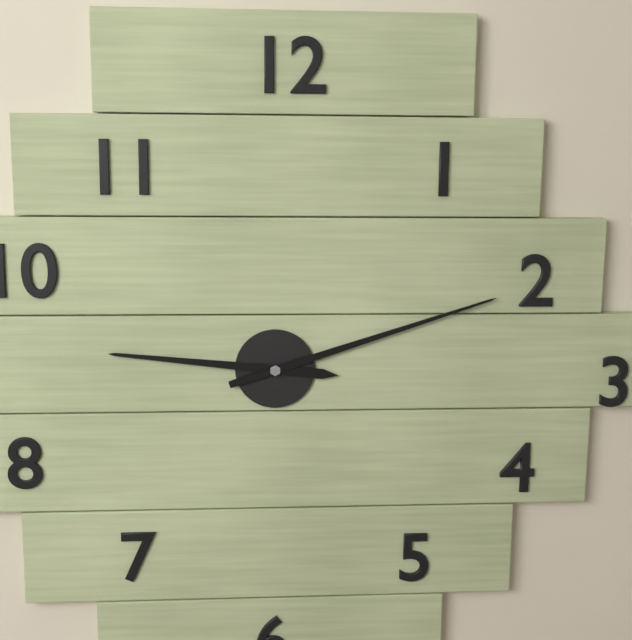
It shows 9,12
